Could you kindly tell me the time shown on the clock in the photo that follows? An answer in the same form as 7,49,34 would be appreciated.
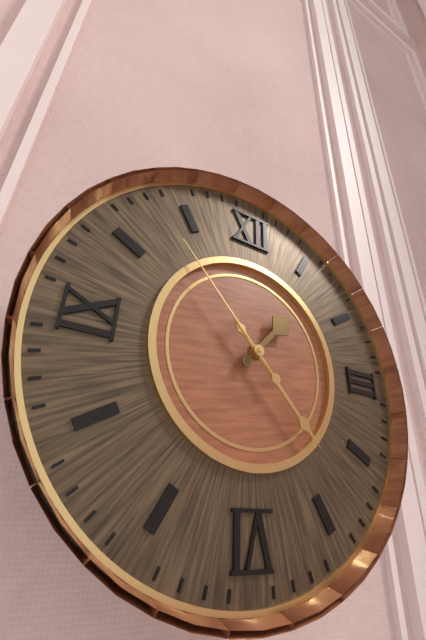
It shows 1,23,53
